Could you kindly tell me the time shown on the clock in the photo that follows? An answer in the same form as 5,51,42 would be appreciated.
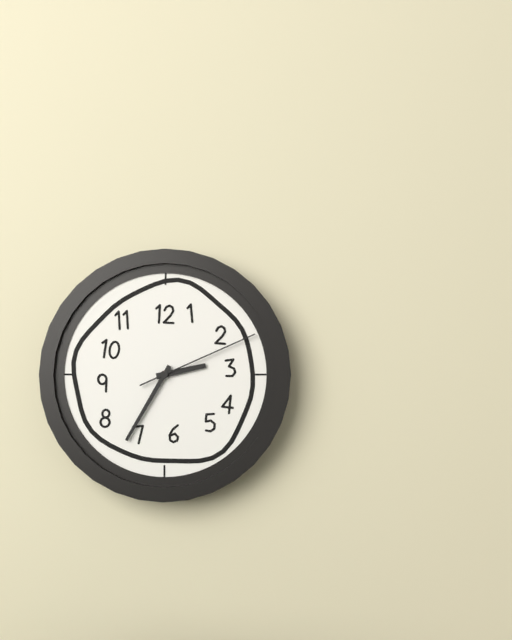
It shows 2,35,11
